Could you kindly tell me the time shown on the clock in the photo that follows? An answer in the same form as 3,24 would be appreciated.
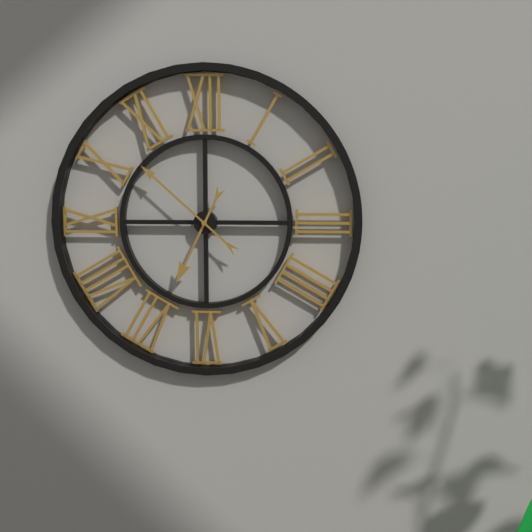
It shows 6,52
